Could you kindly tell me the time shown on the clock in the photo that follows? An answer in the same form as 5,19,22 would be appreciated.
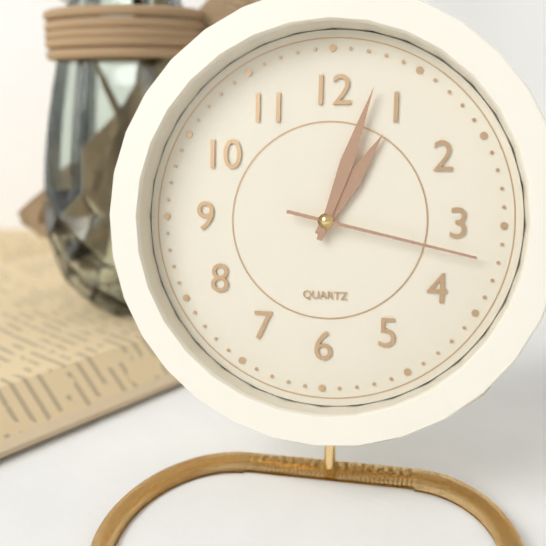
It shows 1,03,17
